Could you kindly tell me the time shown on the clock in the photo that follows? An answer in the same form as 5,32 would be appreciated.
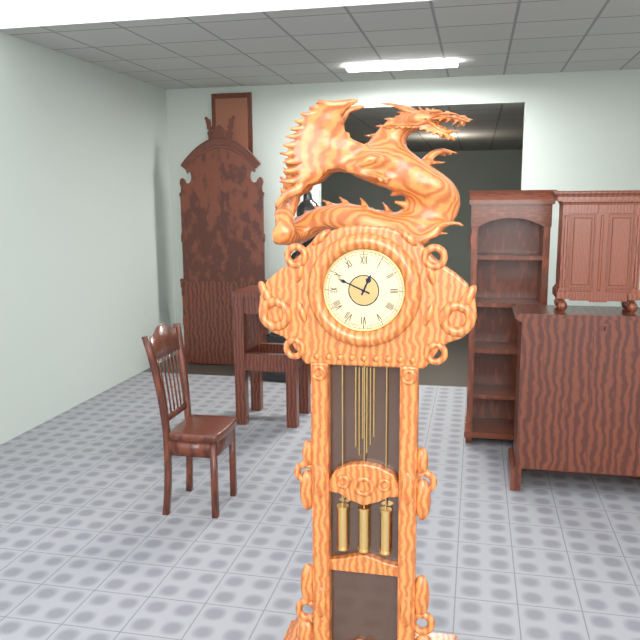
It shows 12,49
